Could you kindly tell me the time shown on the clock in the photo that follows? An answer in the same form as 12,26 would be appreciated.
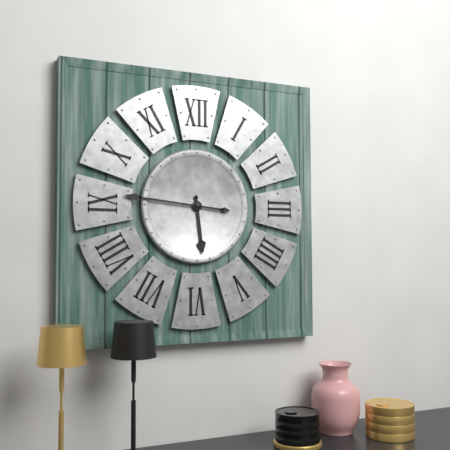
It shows 5,46
